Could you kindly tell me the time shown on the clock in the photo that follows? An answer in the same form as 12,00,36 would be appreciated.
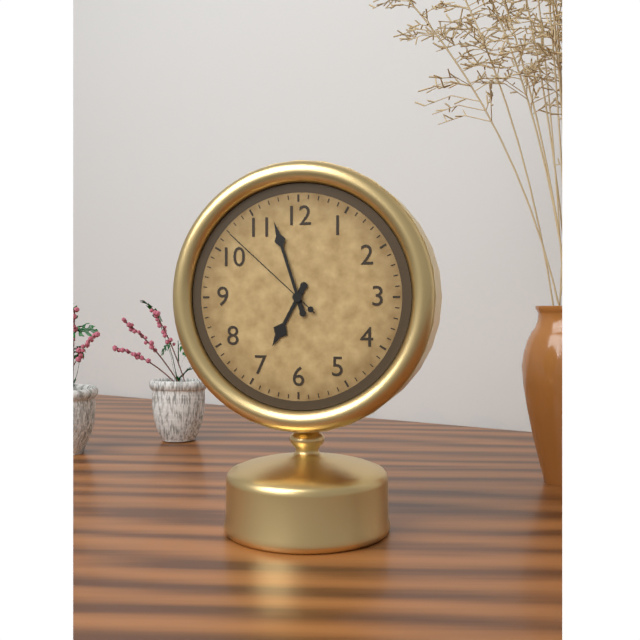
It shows 6,57,52
